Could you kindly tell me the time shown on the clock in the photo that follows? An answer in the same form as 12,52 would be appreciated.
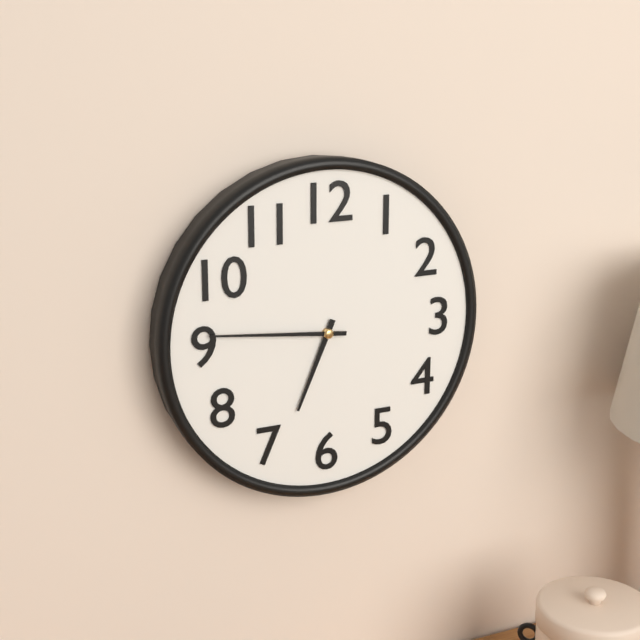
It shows 6,46
